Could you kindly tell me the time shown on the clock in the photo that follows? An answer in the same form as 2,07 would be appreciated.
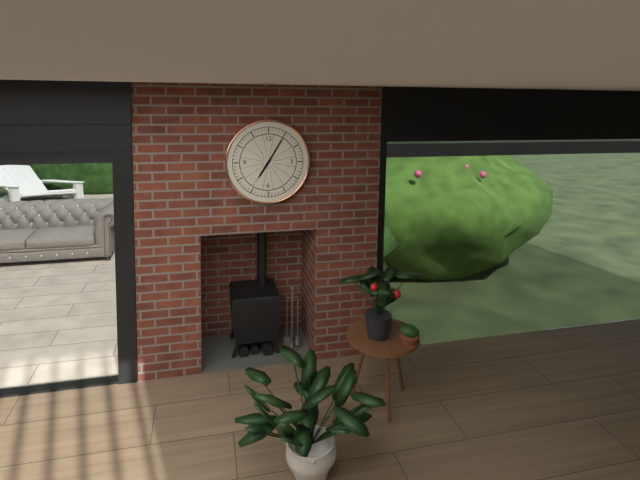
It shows 7,05
